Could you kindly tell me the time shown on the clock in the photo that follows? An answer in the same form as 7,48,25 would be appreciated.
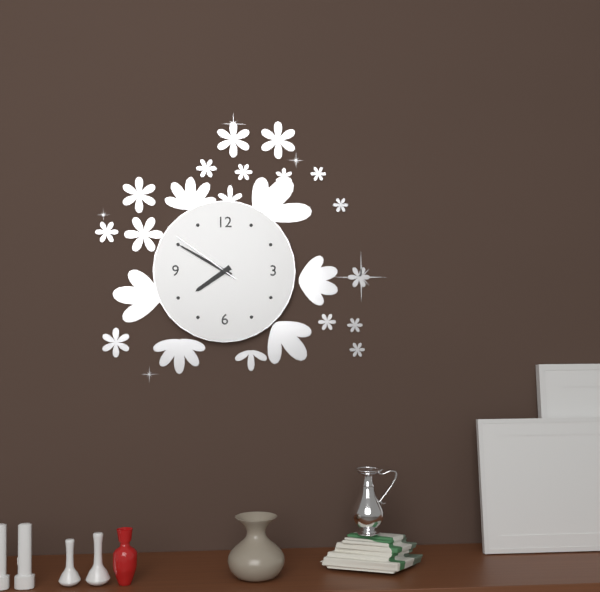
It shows 7,50,51
